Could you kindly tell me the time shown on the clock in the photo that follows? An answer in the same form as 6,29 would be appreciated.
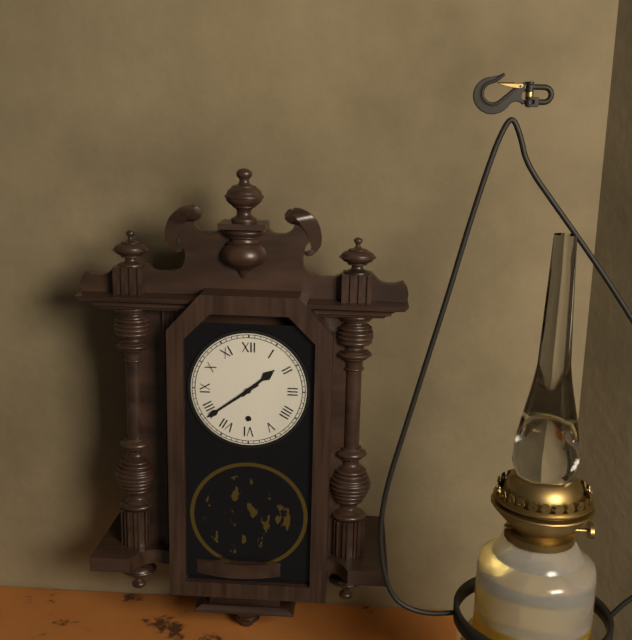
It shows 1,39
